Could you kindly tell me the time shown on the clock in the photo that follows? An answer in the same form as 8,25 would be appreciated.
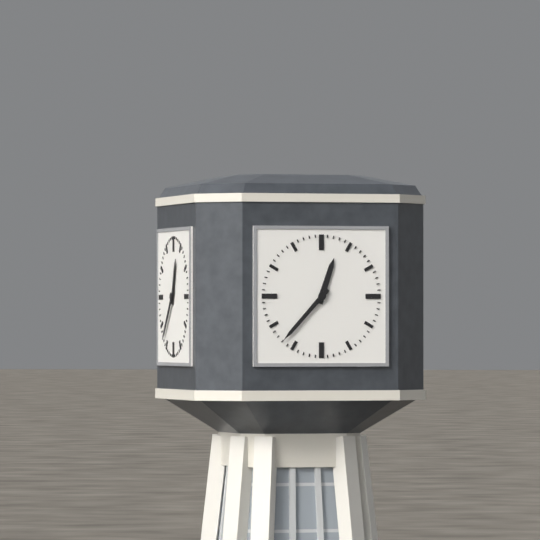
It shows 12,37
